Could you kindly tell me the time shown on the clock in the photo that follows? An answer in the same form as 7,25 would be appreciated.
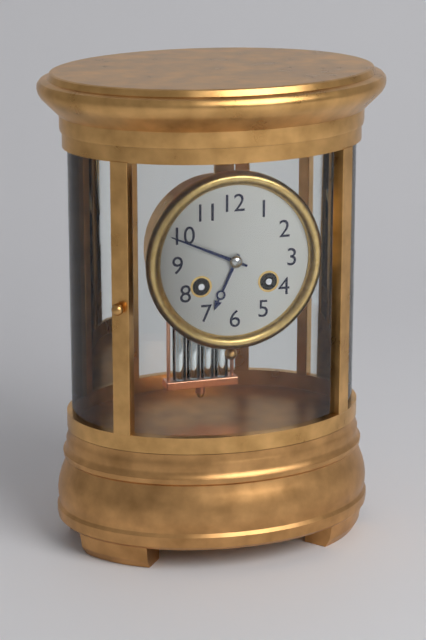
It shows 6,49
